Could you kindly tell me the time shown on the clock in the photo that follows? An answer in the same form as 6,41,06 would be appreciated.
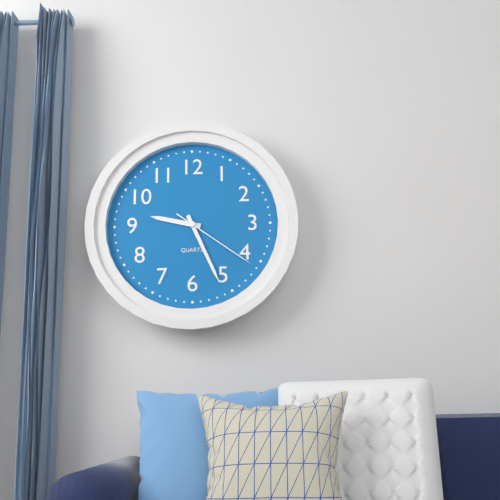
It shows 9,26,21
